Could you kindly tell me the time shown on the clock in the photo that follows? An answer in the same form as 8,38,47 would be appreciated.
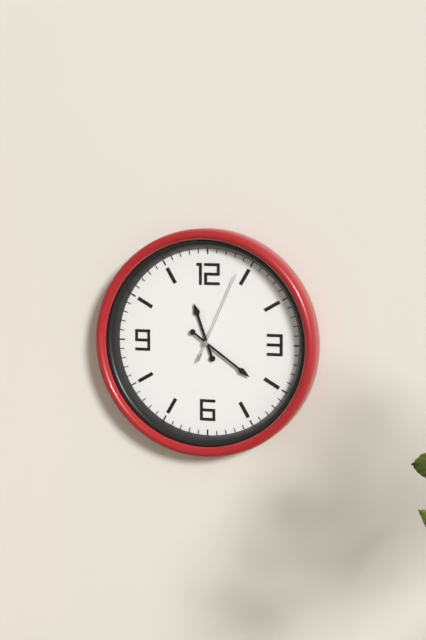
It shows 11,21,04
